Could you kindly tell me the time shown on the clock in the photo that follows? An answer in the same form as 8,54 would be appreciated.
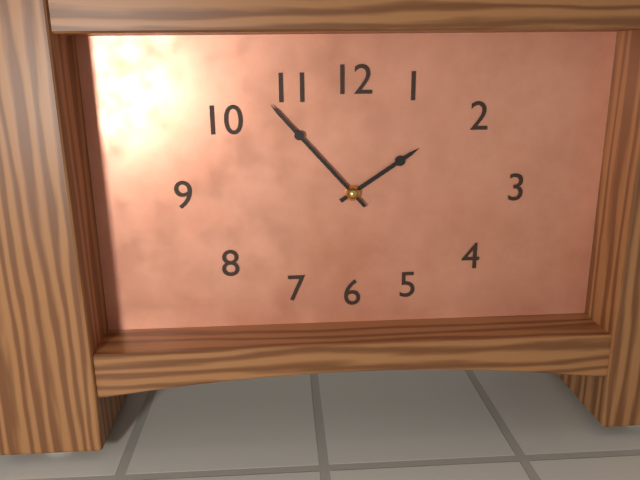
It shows 1,53
